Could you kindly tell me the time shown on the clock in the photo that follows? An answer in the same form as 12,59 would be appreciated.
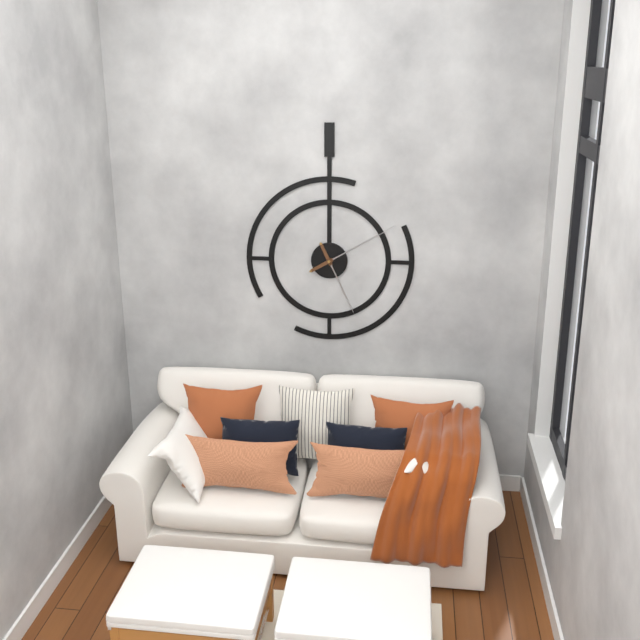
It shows 5,10
